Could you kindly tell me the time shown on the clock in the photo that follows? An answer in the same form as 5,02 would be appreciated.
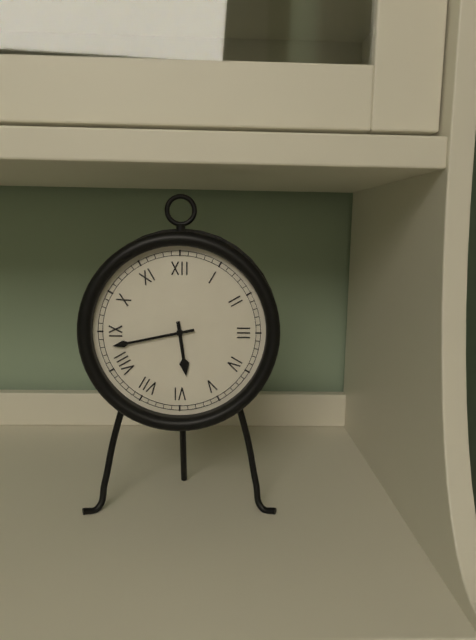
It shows 5,43
